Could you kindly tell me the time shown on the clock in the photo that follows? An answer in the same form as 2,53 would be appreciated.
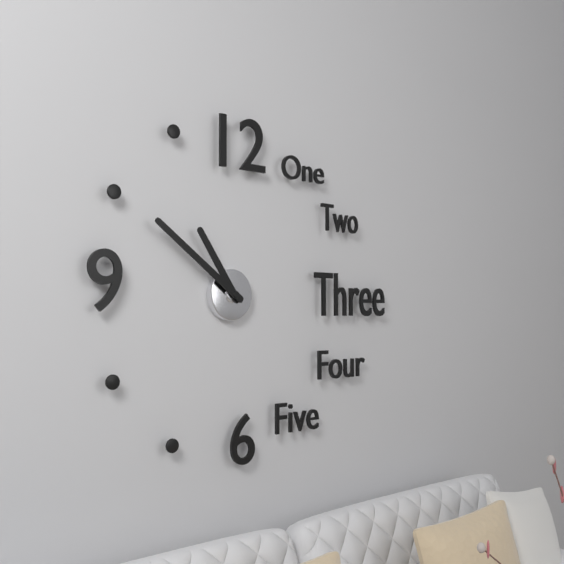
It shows 10,51
